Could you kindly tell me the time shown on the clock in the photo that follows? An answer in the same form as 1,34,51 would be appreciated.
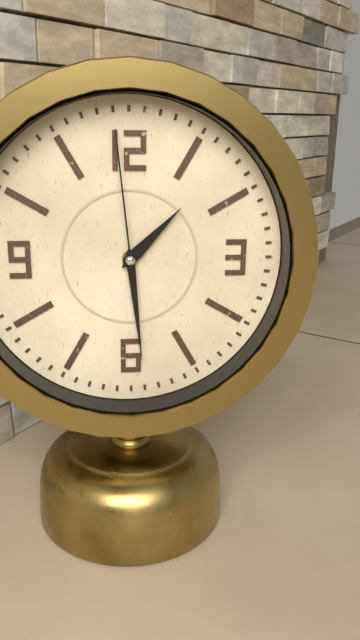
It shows 1,29,59
